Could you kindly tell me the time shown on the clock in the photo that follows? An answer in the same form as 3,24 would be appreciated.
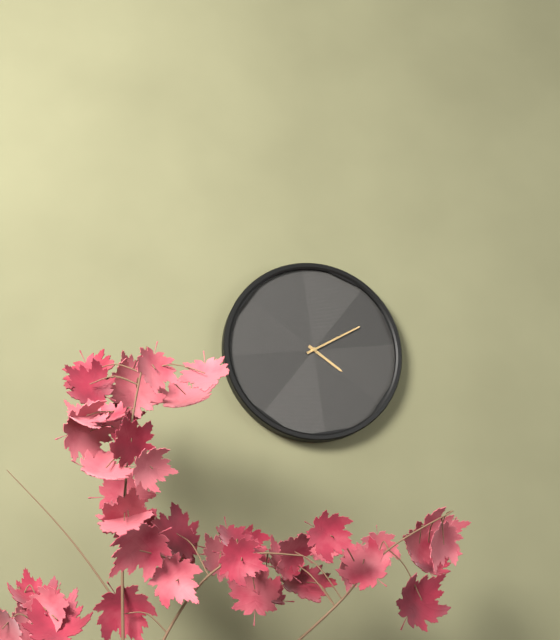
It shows 4,10
